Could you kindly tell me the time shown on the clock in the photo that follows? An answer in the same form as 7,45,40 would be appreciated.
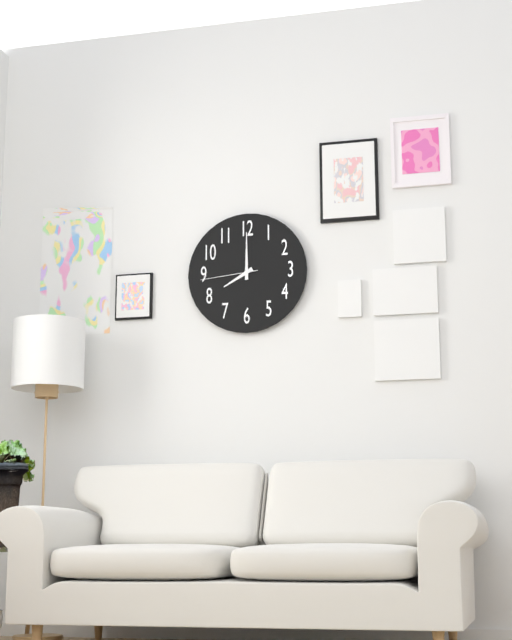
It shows 8,00,44
